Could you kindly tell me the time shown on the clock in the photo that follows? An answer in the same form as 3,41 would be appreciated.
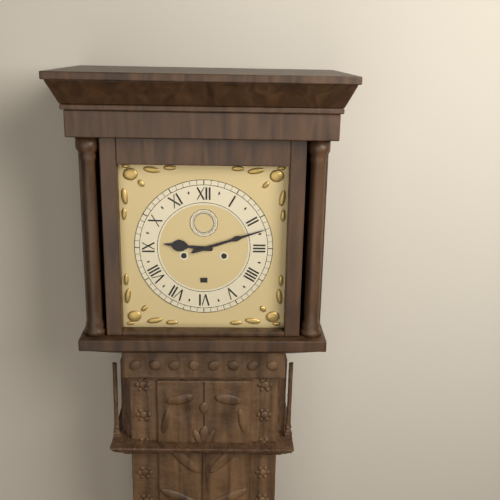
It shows 9,12
